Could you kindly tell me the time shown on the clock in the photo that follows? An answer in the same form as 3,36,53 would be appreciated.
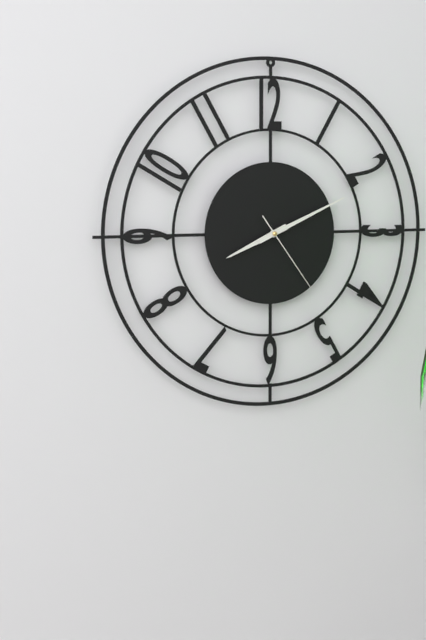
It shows 8,11,24
